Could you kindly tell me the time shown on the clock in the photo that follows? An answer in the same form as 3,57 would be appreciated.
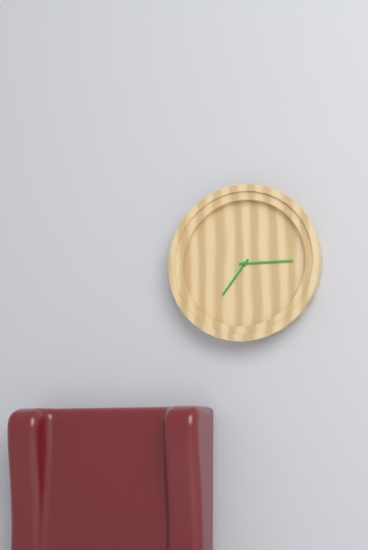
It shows 7,15
